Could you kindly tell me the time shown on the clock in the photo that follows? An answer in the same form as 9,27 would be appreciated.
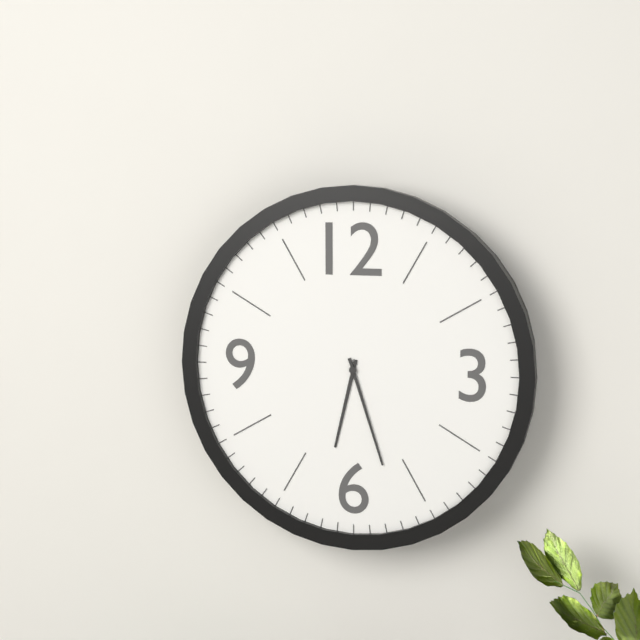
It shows 6,27
